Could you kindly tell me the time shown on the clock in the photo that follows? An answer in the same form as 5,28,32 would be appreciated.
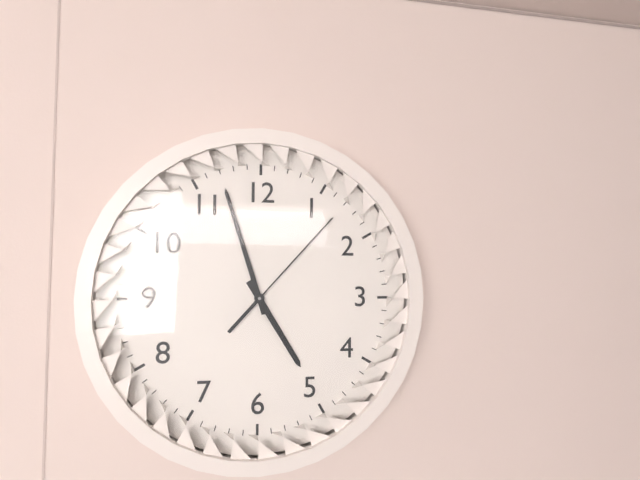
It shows 4,57,07
